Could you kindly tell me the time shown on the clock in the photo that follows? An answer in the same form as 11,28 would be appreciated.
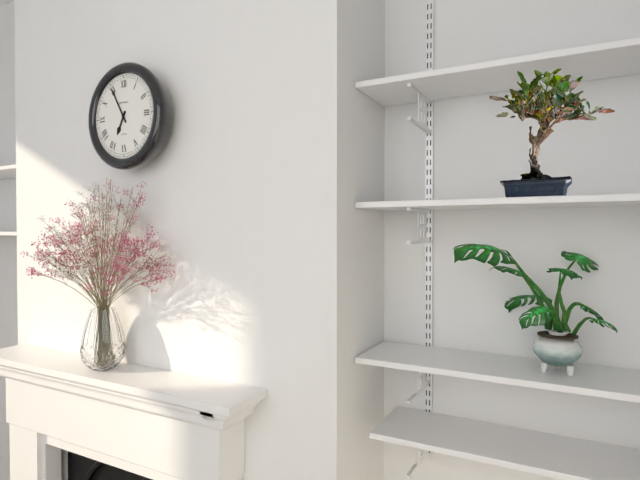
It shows 6,55
